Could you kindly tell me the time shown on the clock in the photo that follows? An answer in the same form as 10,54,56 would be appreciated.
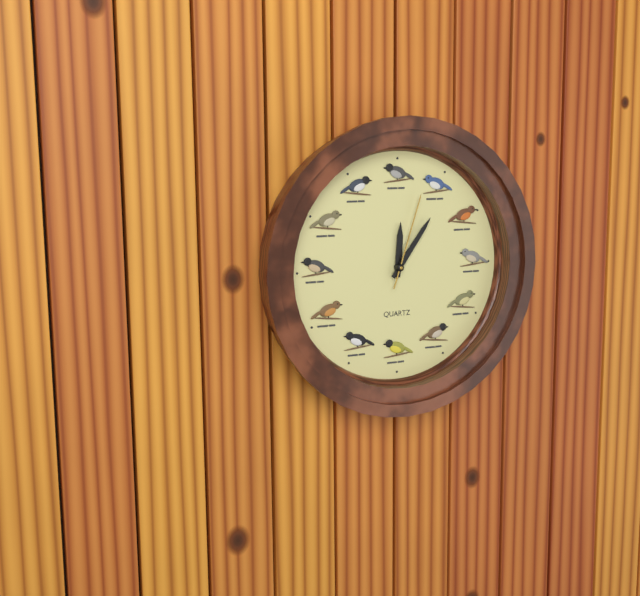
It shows 12,06,03
